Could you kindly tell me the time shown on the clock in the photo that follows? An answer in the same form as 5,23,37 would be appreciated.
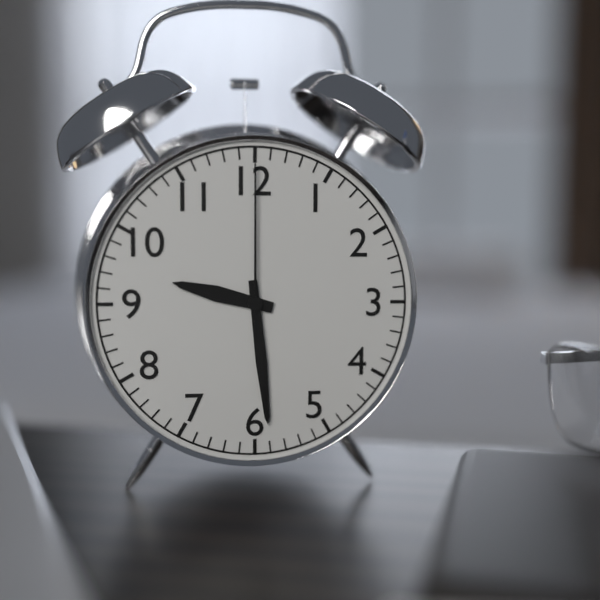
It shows 9,29,00
